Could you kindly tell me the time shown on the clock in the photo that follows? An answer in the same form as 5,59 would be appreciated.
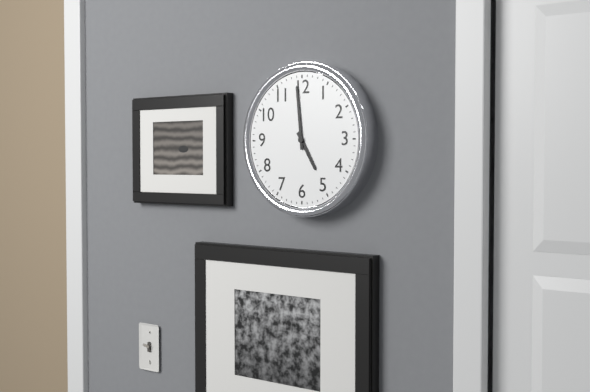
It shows 4,59
